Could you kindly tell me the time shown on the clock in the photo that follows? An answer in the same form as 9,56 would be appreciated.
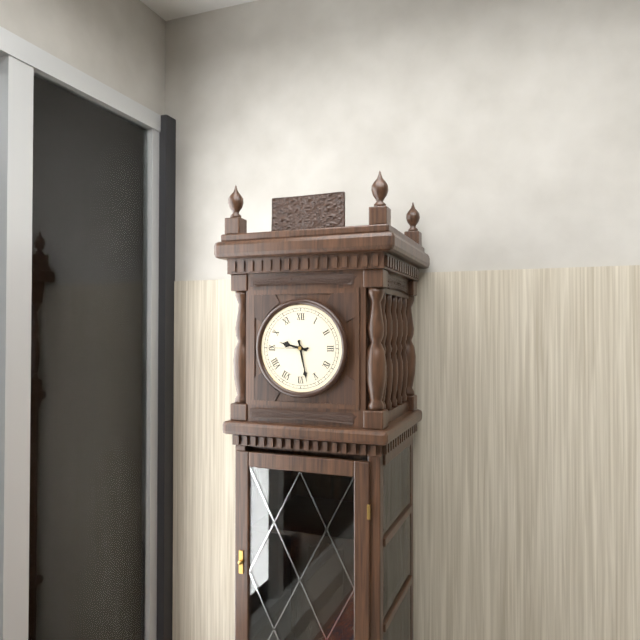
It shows 9,28
